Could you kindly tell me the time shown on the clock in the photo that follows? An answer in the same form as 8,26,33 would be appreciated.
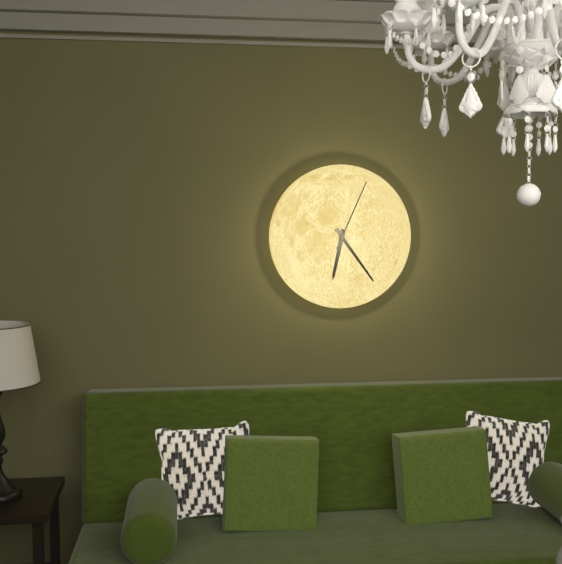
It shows 6,24,04
